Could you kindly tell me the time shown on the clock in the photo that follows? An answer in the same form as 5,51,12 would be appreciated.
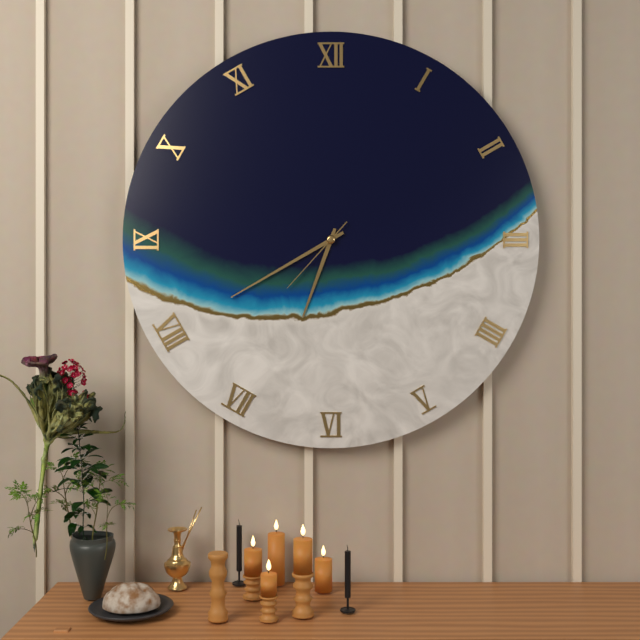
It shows 6,40,37
